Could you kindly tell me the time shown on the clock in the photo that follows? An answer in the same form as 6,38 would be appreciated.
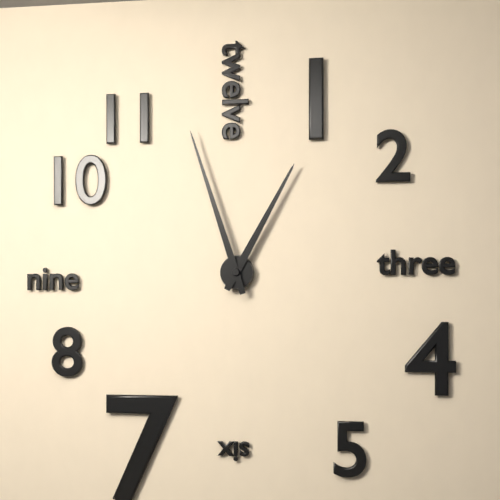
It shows 12,57
